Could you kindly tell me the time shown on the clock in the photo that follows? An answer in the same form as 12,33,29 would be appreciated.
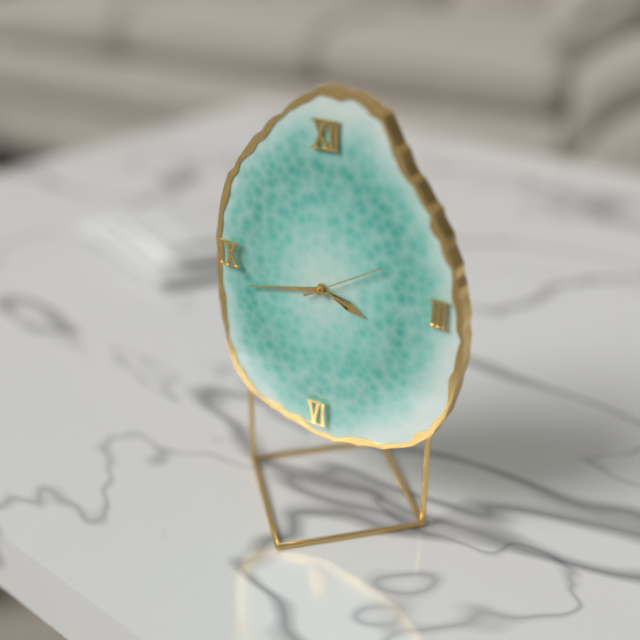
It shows 3,43,10
